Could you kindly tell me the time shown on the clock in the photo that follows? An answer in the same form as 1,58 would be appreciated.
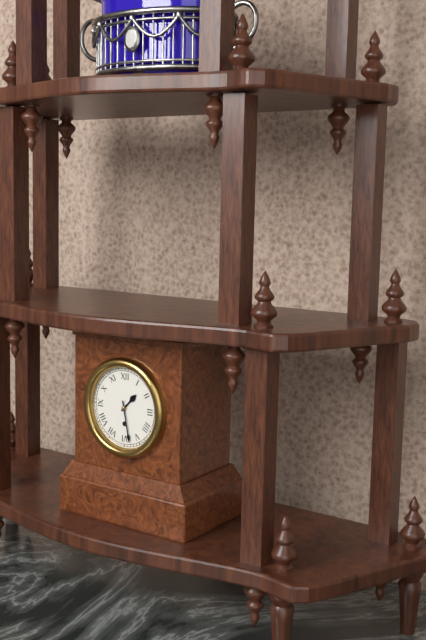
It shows 1,28
